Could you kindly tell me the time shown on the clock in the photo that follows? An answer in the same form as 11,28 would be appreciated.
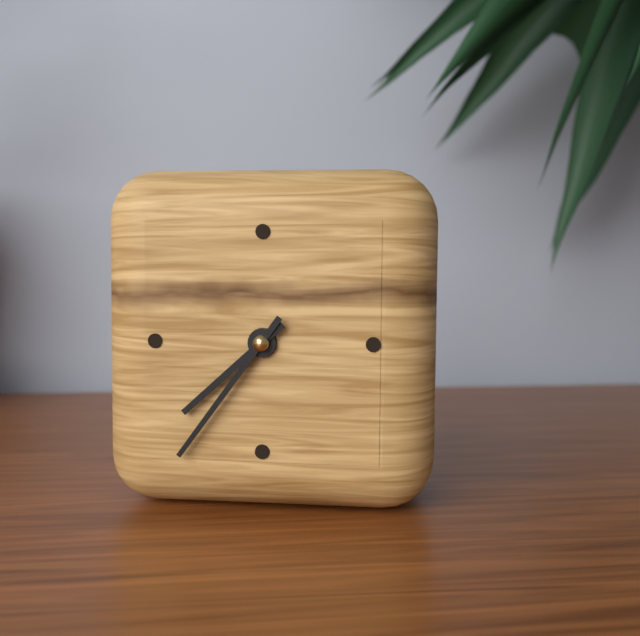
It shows 7,36
